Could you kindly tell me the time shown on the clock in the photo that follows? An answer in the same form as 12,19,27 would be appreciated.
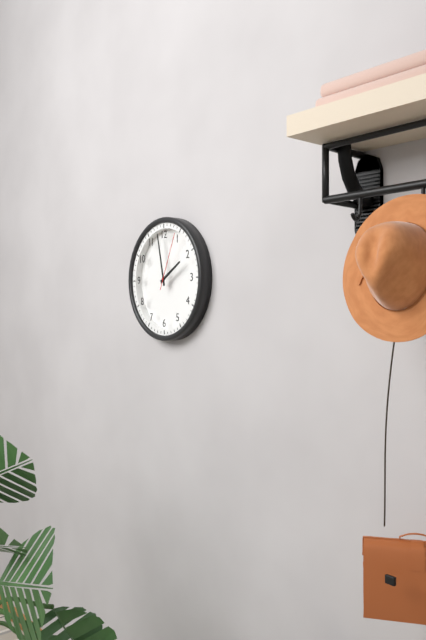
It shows 1,58,04
